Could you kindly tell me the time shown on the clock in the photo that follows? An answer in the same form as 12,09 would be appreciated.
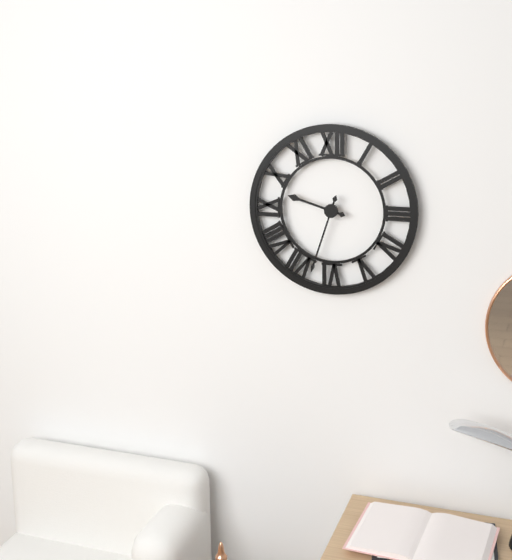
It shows 9,33
